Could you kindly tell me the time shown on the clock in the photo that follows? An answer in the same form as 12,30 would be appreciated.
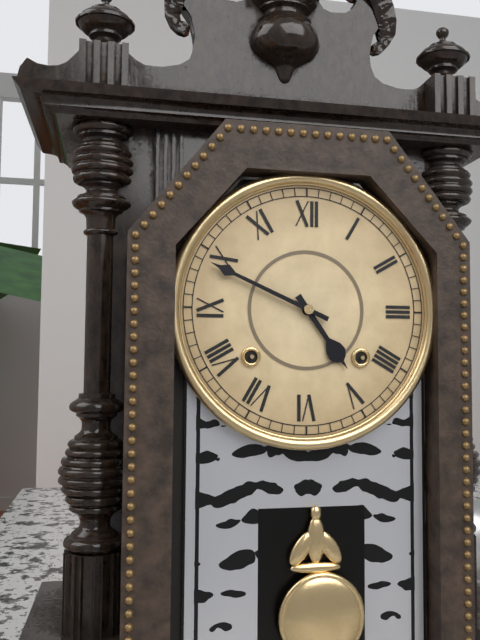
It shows 4,49
